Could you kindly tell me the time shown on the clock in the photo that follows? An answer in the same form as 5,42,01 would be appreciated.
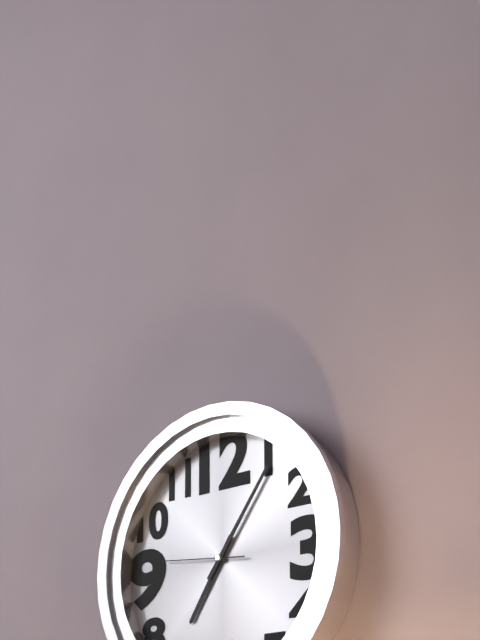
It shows 7,06,46
